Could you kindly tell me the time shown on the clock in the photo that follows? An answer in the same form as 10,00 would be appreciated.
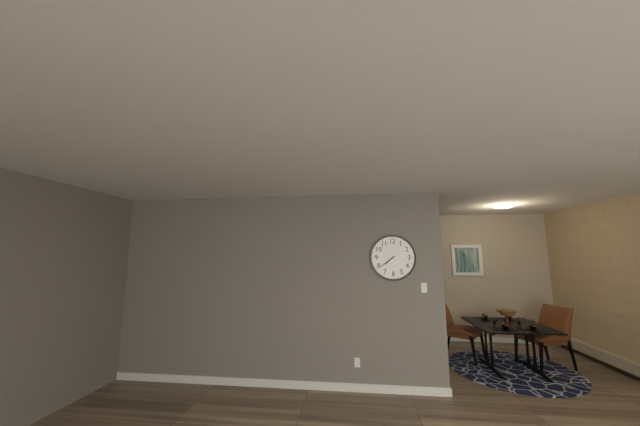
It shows 7,39
